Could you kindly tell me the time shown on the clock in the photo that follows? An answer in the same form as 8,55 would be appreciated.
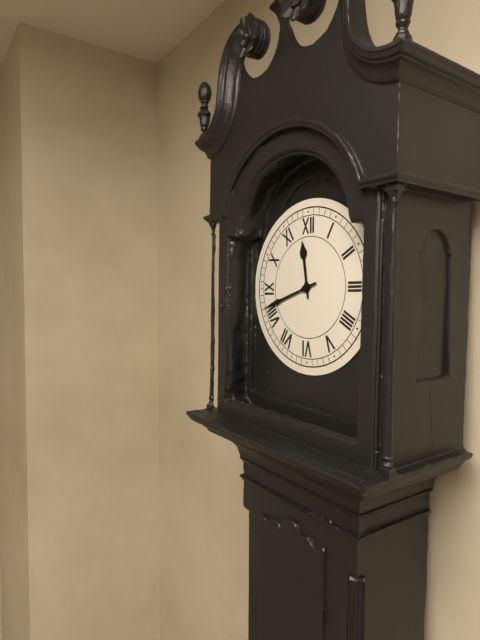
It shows 11,42
